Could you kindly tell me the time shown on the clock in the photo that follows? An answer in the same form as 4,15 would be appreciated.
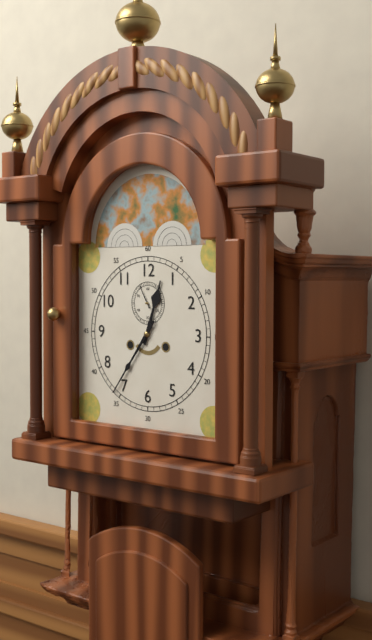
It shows 12,36
